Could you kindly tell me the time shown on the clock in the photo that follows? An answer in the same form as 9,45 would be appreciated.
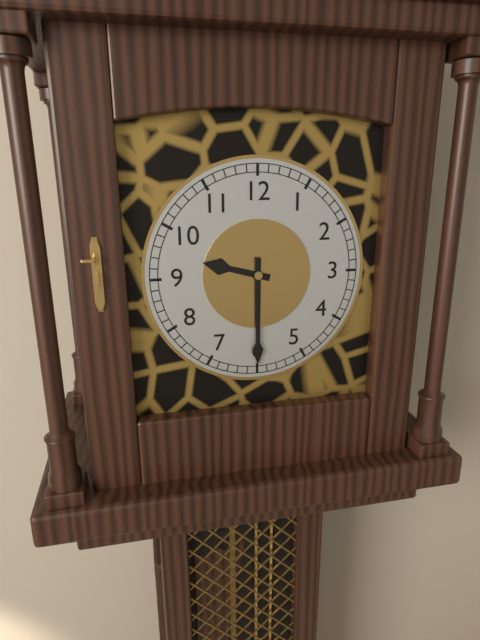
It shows 9,30
